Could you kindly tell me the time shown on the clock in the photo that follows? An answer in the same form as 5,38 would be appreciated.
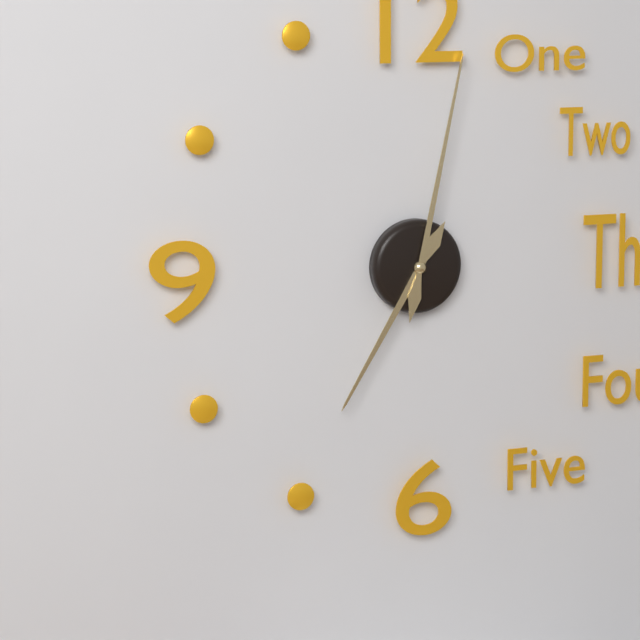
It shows 7,02
